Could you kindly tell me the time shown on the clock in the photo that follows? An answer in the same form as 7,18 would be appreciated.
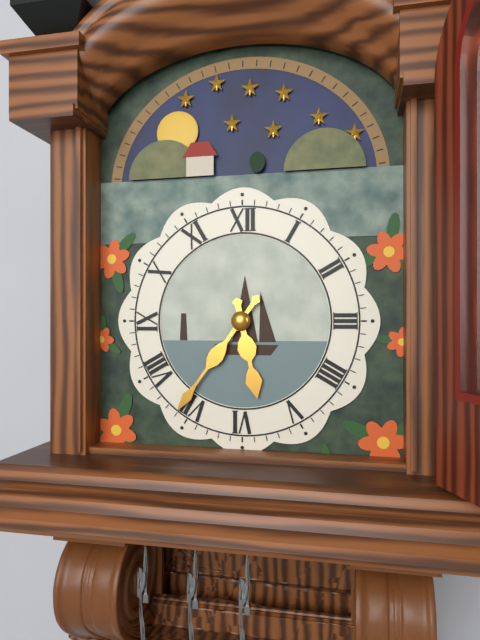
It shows 5,36
